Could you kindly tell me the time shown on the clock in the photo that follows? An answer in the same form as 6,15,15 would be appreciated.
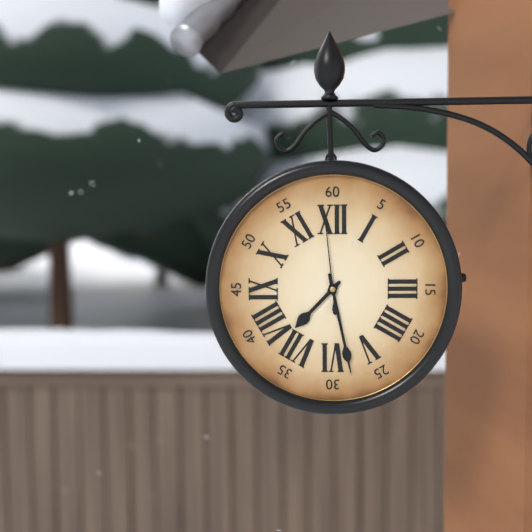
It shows 7,28,59
